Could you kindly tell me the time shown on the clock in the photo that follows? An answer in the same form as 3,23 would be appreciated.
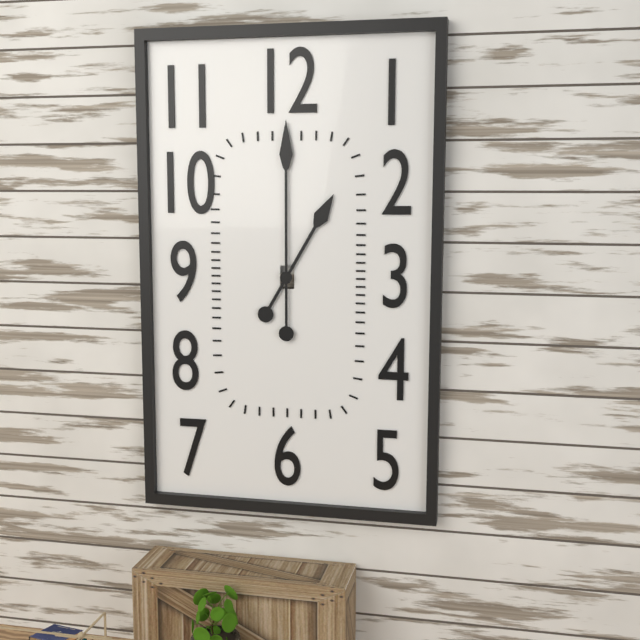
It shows 1,00
